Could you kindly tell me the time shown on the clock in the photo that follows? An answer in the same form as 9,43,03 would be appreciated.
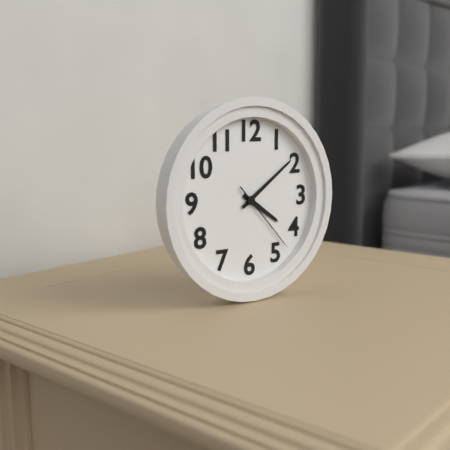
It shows 4,09,23
